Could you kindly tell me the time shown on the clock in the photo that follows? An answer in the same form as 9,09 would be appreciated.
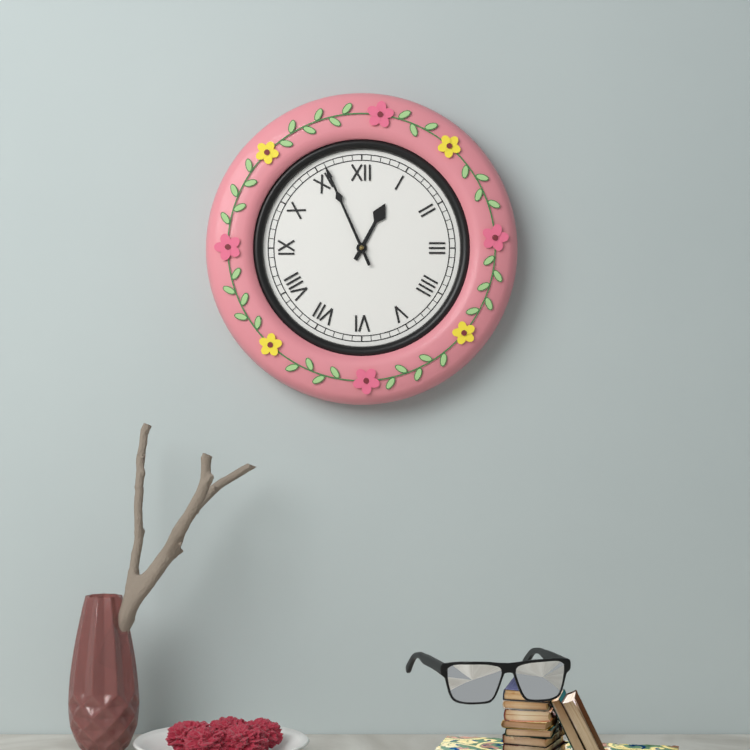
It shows 12,56
